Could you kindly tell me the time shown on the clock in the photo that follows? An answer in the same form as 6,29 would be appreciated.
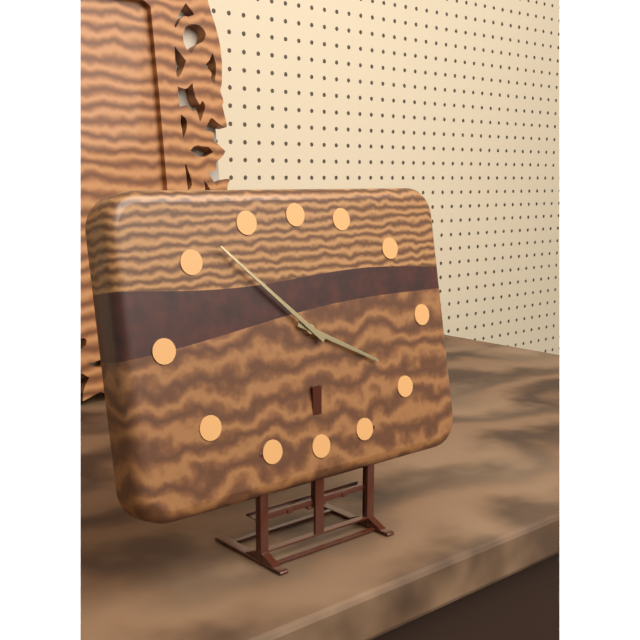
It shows 3,52
